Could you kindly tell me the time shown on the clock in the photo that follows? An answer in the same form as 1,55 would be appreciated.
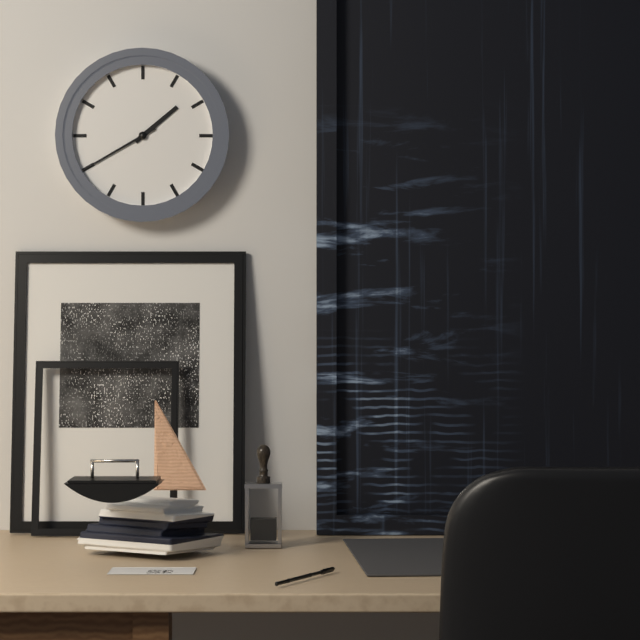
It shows 1,40
